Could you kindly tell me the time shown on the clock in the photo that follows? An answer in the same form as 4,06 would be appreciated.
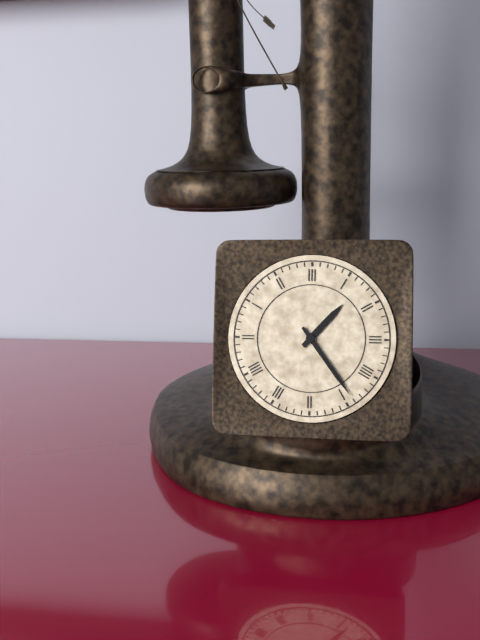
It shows 1,24
